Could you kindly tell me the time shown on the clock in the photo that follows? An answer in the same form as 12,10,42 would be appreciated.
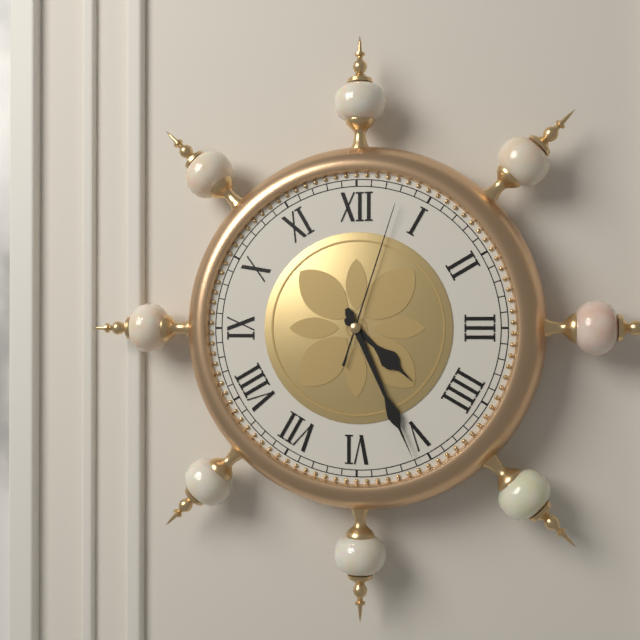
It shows 4,26,03
